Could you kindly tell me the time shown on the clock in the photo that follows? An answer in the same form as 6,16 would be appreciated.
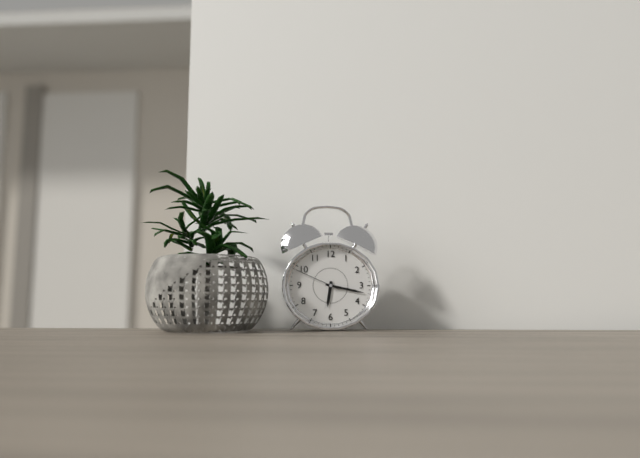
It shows 6,17
